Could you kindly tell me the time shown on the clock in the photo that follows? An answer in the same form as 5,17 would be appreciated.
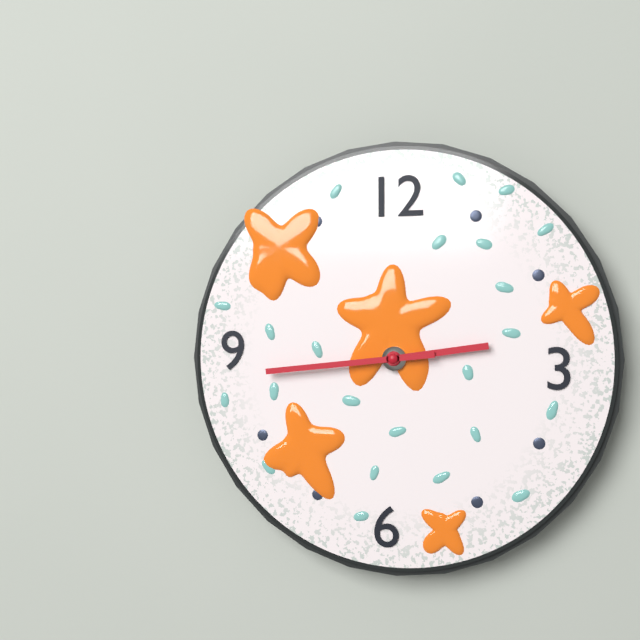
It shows 2,44
